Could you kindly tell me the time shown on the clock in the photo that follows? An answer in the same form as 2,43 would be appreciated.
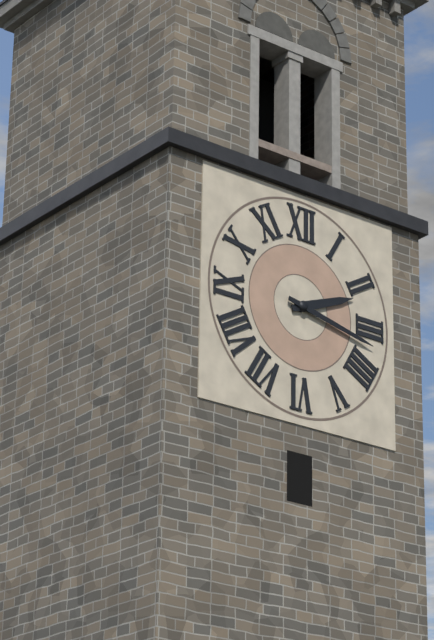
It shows 2,17
